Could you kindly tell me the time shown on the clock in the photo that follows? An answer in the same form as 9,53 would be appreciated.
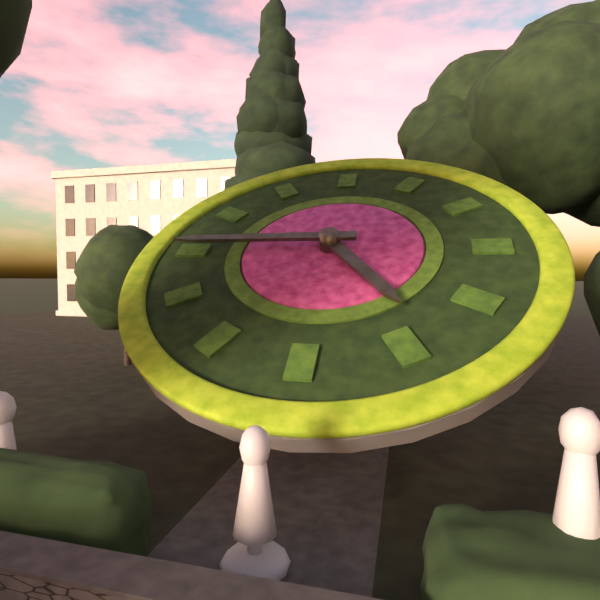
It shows 4,45
